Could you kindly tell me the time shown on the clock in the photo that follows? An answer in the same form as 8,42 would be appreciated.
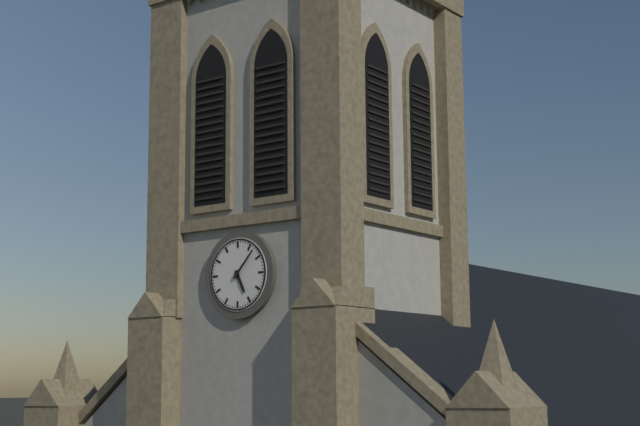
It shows 5,07
